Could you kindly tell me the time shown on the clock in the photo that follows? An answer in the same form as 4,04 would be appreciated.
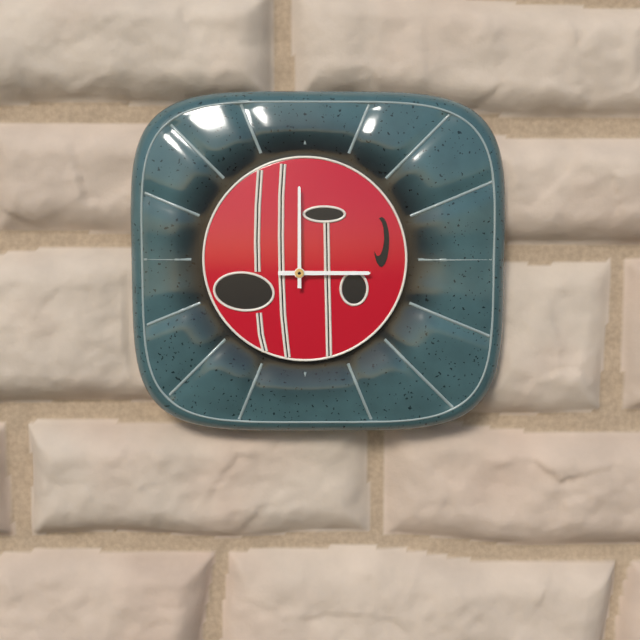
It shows 3,00
